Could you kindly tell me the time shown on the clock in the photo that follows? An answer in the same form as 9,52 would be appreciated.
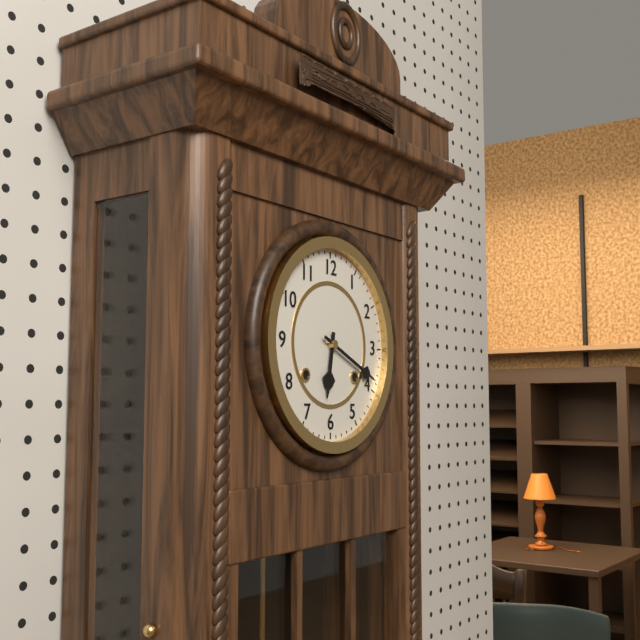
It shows 6,19
